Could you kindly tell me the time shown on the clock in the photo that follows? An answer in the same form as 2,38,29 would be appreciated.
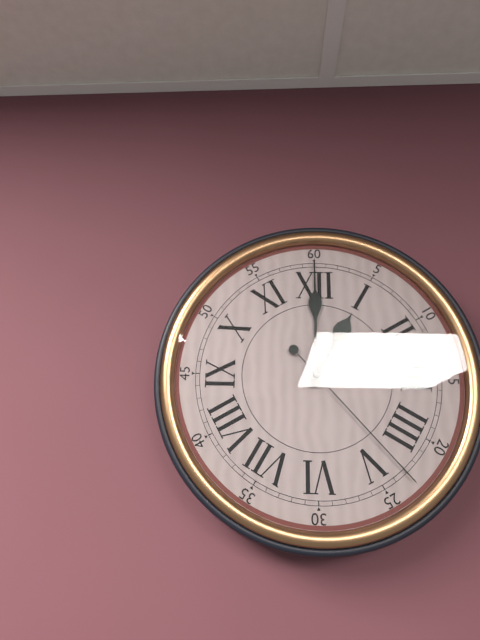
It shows 1,00,23
